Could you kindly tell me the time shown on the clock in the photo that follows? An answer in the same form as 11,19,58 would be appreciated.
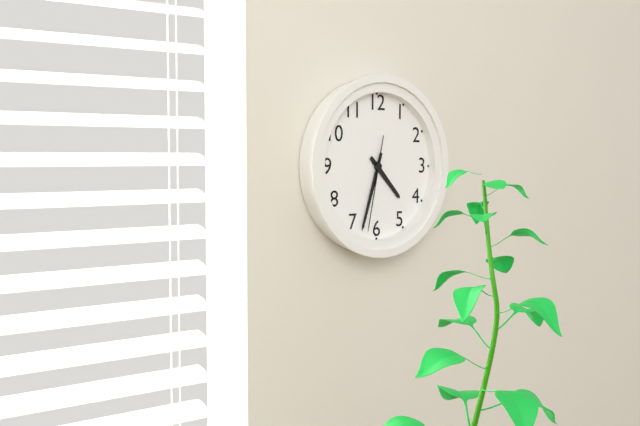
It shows 4,33,32
